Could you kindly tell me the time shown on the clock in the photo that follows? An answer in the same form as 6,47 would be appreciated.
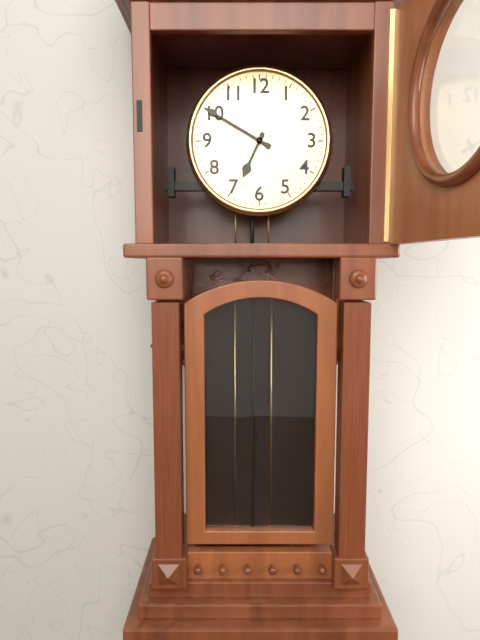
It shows 6,50
